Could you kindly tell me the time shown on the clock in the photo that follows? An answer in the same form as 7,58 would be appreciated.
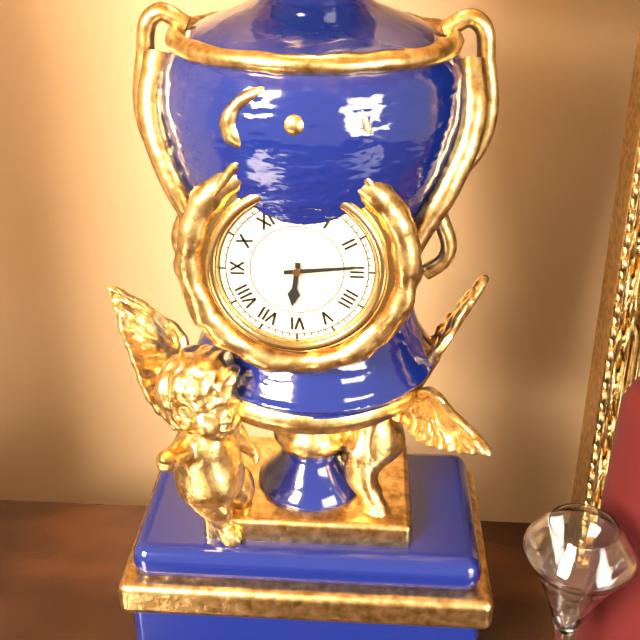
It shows 6,14
